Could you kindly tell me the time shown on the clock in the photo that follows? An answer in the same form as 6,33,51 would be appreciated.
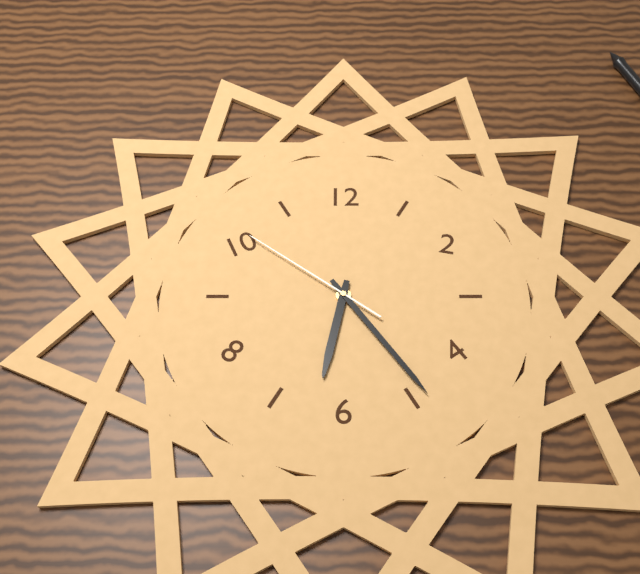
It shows 6,24,51
